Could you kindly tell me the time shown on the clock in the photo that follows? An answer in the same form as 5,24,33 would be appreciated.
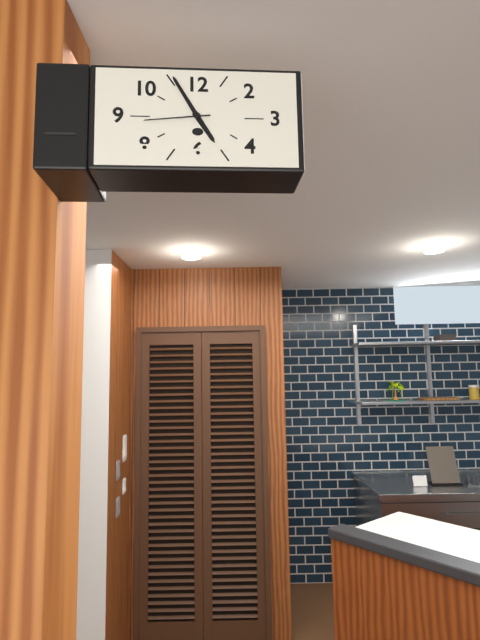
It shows 4,55,44
